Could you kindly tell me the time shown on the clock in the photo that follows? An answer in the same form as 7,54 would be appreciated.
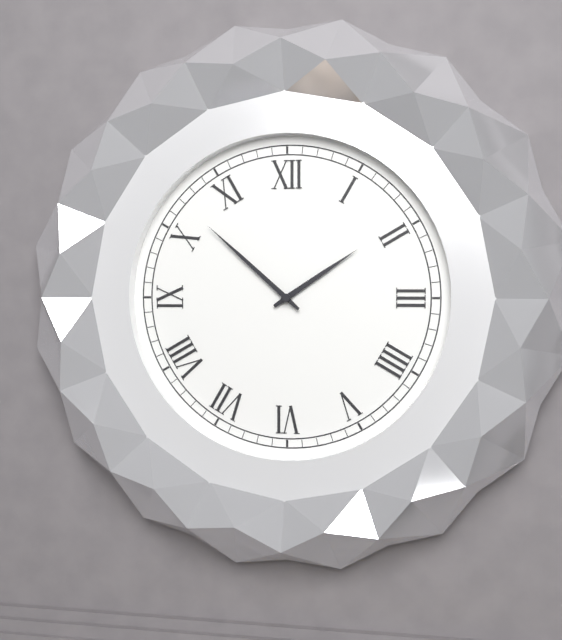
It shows 1,52
